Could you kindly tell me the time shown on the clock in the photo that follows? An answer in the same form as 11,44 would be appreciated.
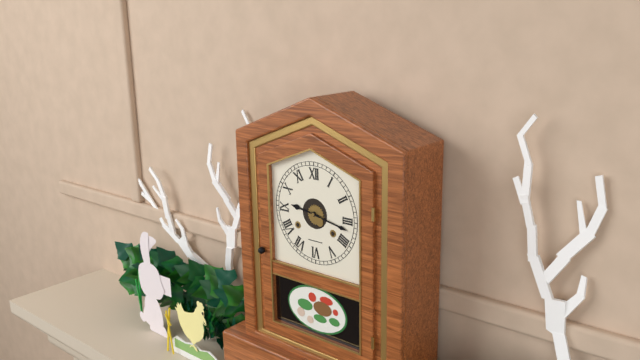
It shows 9,17
